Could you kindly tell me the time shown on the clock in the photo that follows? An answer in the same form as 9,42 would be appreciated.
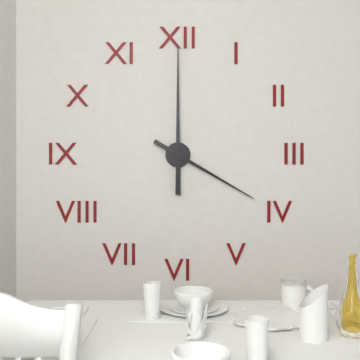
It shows 4,00
